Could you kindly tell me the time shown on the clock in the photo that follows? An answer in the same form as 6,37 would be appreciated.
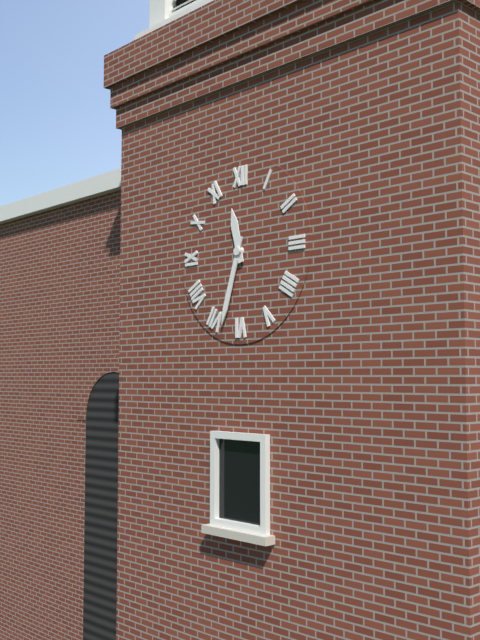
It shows 11,33
